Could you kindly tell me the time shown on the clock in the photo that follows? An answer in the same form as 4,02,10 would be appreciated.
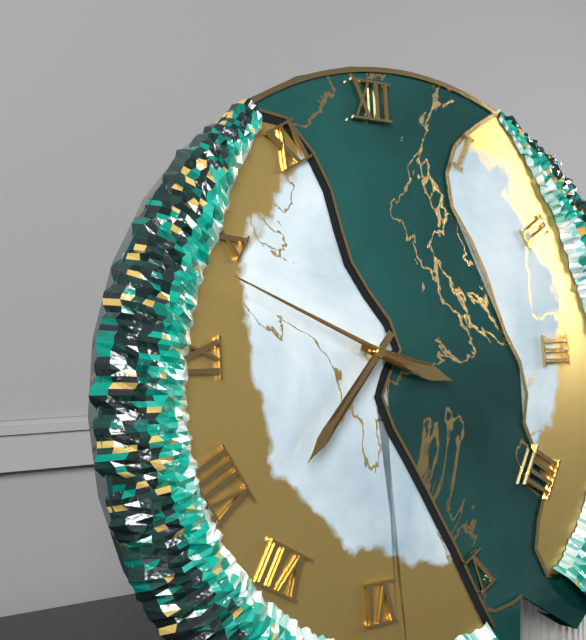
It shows 3,37,49
